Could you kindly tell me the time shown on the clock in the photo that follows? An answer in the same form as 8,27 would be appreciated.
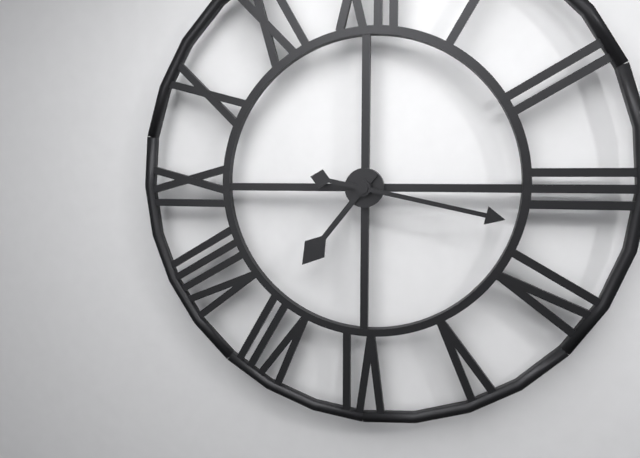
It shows 7,17
